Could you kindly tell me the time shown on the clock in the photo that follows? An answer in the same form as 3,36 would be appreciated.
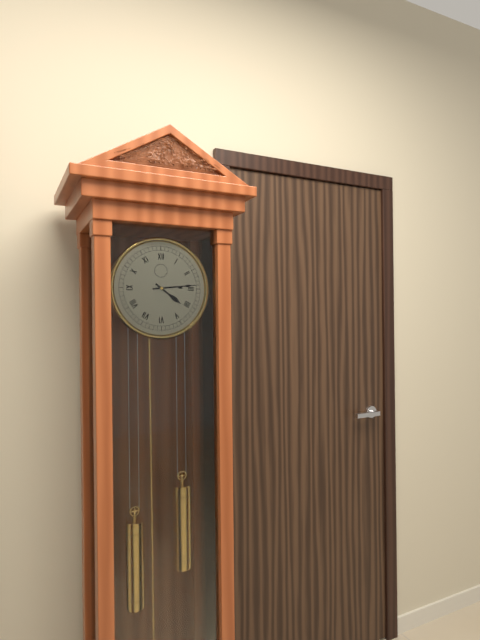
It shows 4,14
